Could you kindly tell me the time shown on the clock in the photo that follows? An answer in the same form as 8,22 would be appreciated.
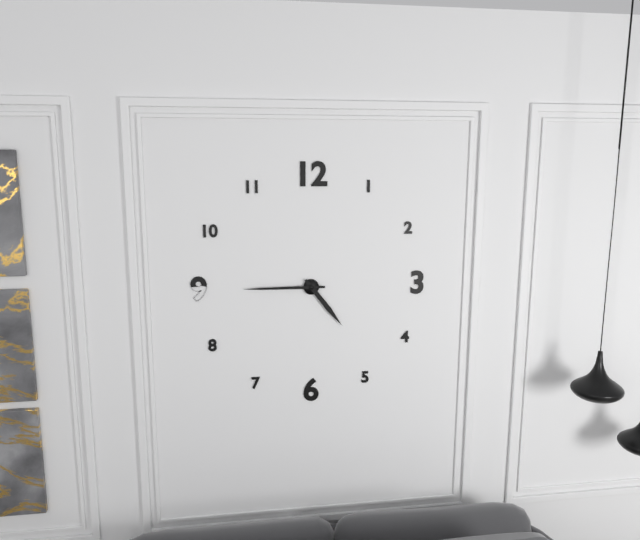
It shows 4,45
